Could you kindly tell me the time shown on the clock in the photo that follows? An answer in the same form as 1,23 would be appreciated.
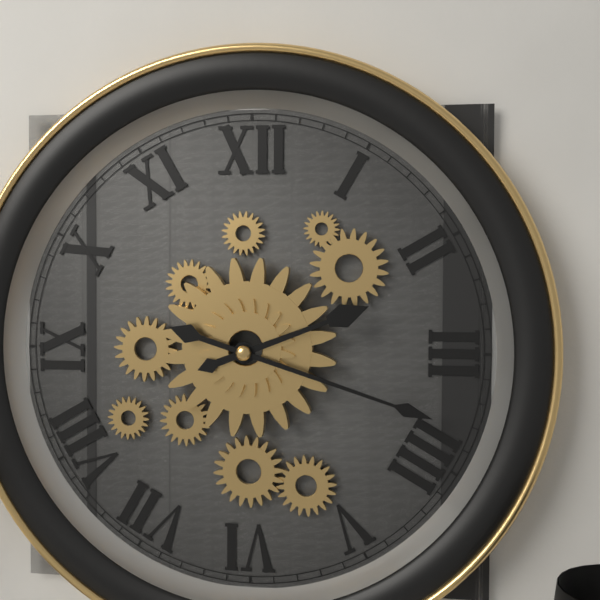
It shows 2,18
